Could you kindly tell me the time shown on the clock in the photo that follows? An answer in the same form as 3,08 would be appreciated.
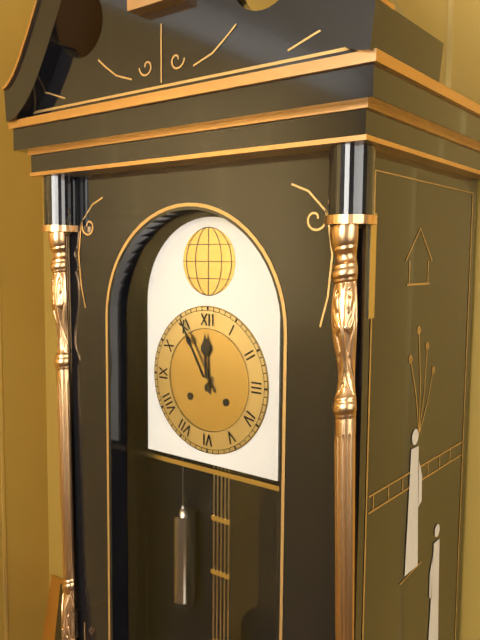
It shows 11,55
